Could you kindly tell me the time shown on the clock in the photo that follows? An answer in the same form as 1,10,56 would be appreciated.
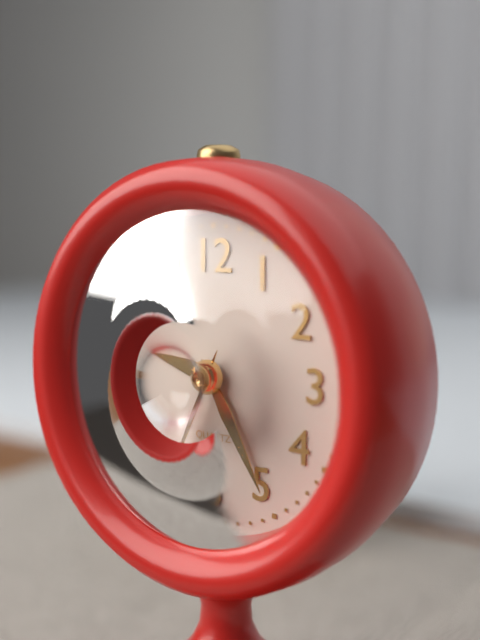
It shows 9,25,34
